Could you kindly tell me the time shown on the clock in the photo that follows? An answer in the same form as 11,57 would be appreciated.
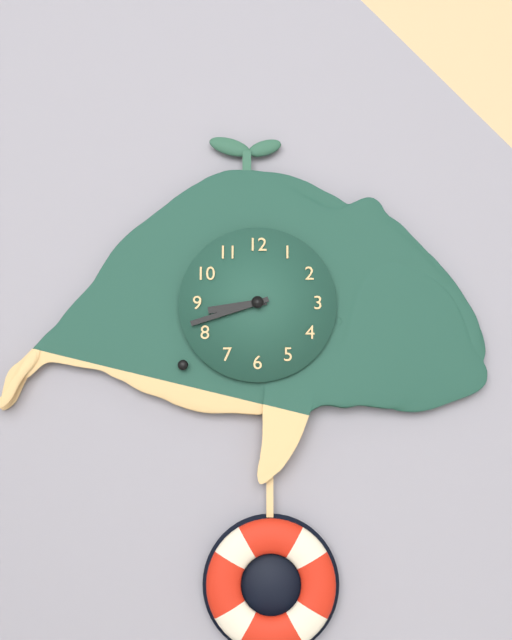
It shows 8,42
